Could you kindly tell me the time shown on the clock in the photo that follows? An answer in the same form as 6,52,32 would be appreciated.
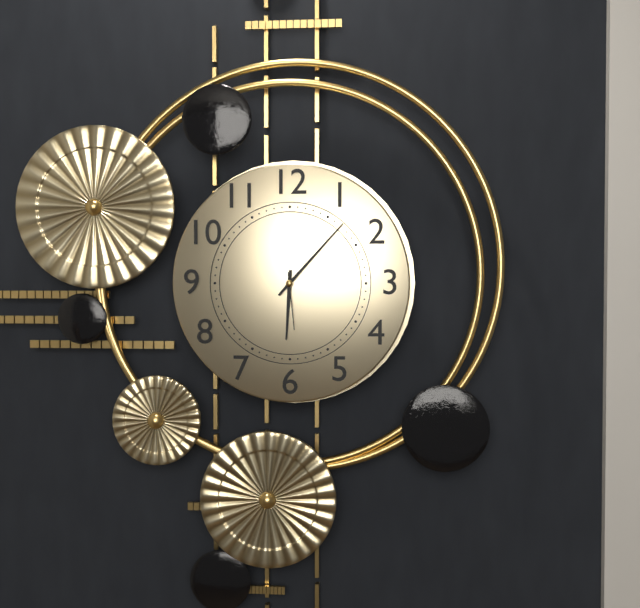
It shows 6,07,29
